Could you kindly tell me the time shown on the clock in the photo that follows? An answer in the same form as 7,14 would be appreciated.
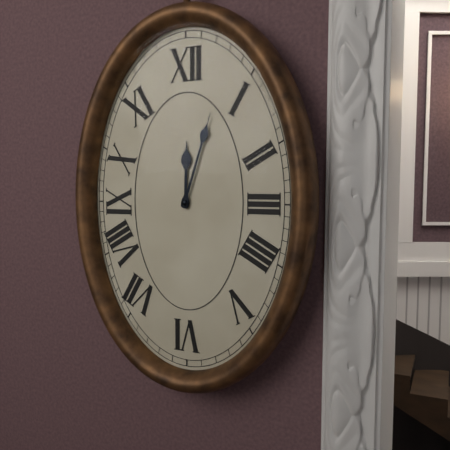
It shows 12,03
